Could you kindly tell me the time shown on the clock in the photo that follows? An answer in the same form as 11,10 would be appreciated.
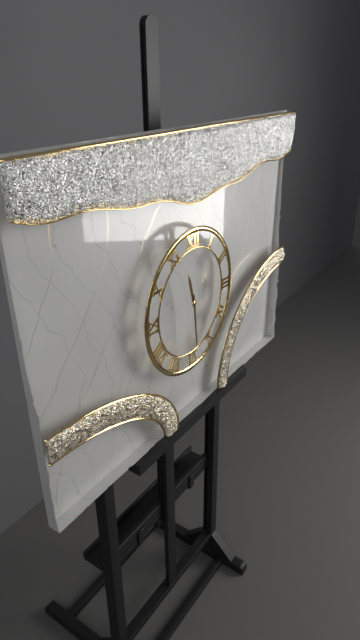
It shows 11,29
